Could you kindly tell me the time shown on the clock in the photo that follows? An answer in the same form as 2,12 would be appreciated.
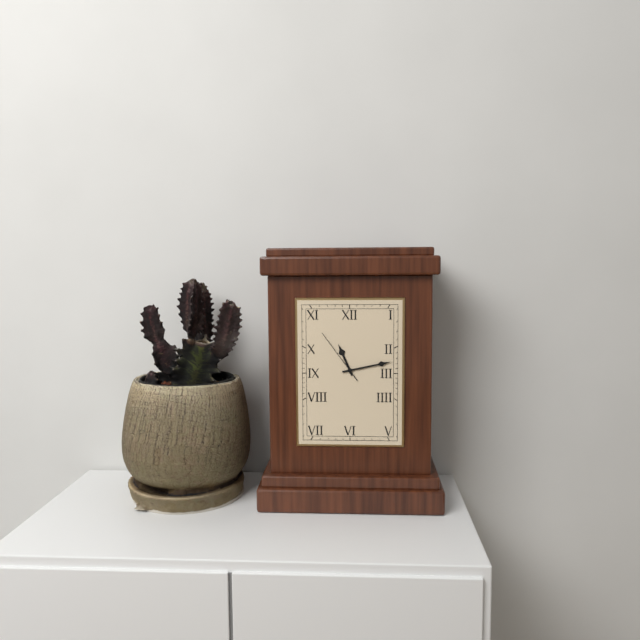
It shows 11,13
